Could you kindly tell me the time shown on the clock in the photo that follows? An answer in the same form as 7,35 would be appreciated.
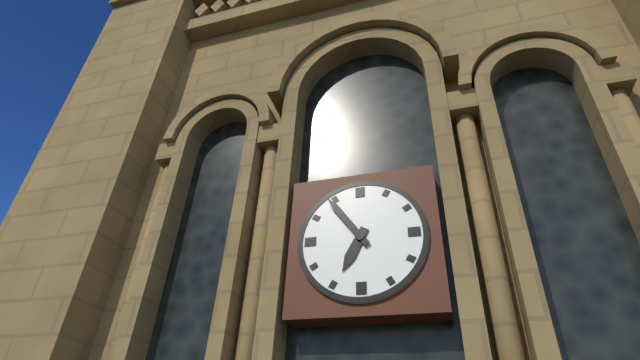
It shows 6,54
